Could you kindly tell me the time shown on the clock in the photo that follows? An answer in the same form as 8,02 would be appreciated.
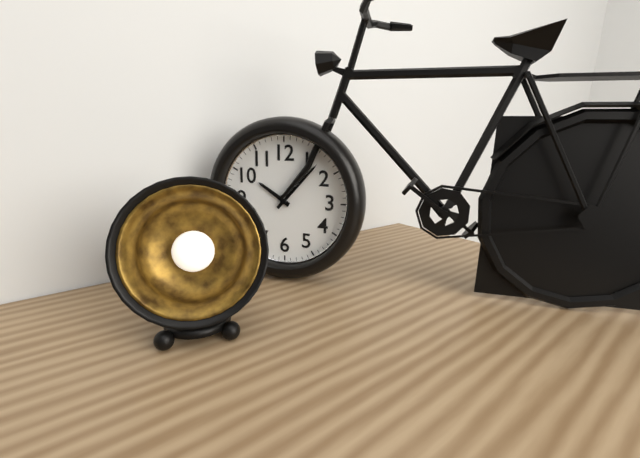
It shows 10,07
